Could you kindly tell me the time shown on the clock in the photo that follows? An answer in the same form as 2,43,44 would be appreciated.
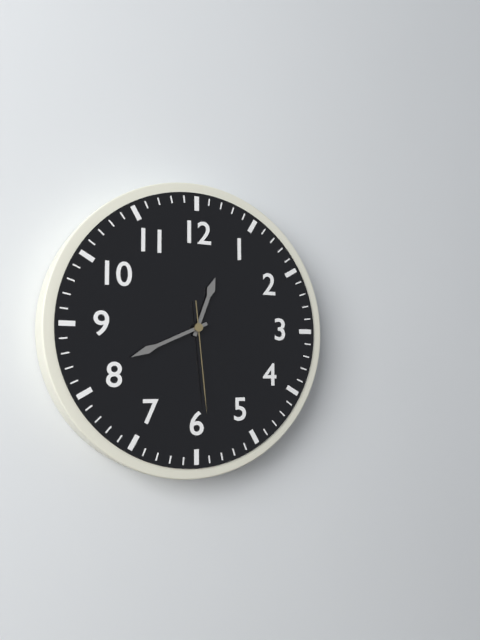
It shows 12,41,29
